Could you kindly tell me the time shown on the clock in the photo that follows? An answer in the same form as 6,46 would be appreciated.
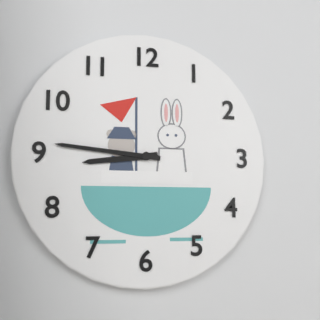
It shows 8,46
